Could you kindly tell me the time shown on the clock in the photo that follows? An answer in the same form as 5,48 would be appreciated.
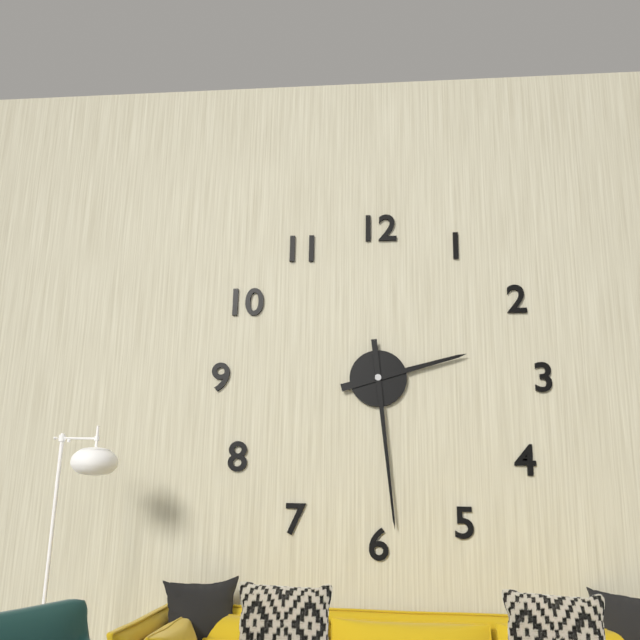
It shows 2,29
